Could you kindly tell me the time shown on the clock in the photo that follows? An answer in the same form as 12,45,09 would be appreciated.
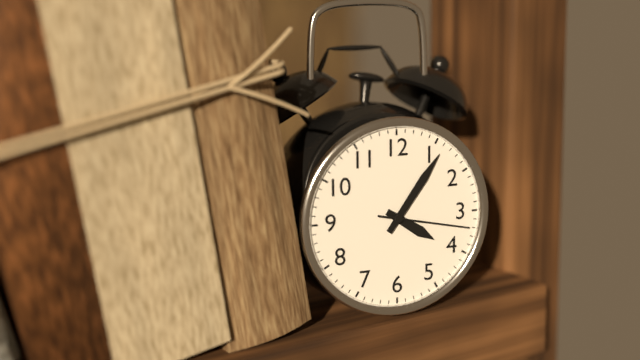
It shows 4,06,17
